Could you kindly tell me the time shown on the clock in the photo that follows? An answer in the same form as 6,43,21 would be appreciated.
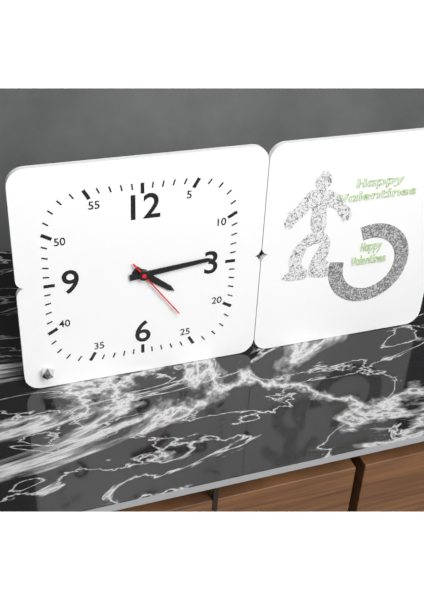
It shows 4,14,24
